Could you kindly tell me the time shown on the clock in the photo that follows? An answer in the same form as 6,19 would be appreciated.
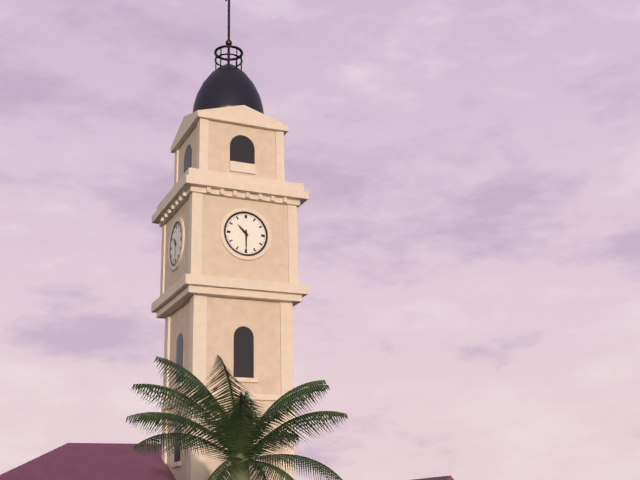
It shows 10,30
